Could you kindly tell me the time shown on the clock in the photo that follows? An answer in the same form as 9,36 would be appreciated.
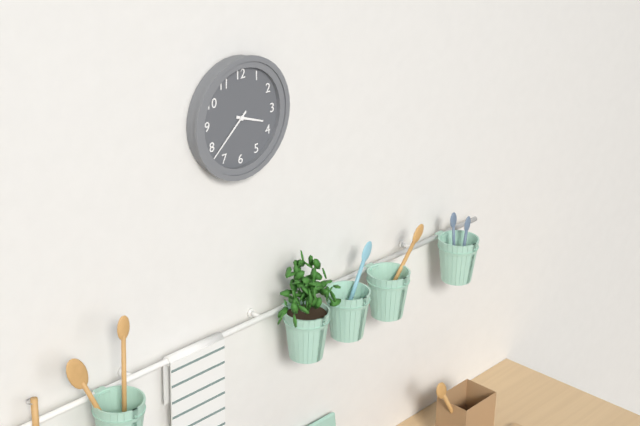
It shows 3,38
